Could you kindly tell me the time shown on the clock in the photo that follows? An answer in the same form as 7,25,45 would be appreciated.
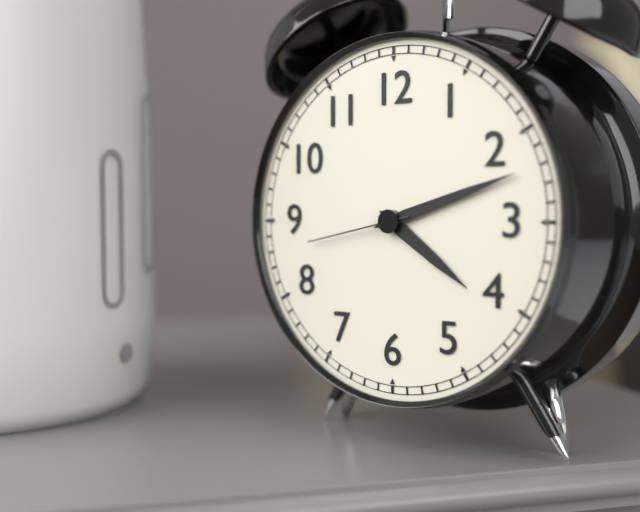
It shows 4,12,43
